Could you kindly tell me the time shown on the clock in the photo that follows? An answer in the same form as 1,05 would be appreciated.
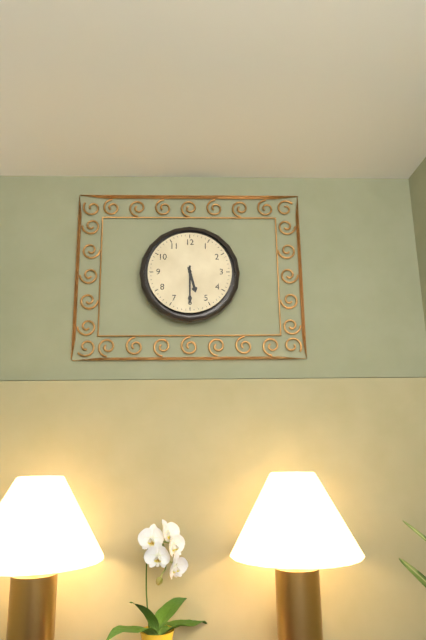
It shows 5,30
